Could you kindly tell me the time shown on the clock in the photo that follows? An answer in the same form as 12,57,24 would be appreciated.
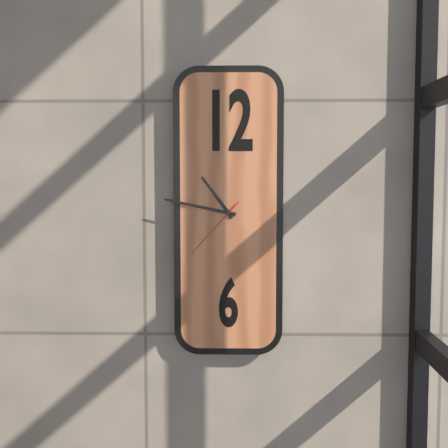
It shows 10,47,37
